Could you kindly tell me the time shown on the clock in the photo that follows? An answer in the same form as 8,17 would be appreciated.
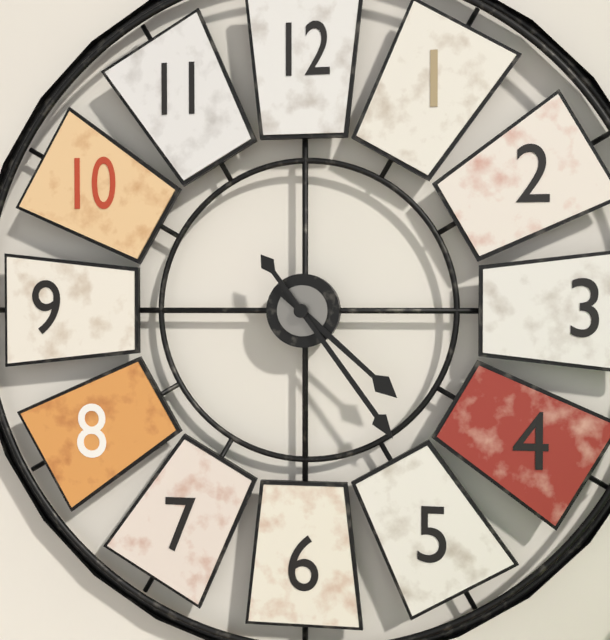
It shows 4,24
